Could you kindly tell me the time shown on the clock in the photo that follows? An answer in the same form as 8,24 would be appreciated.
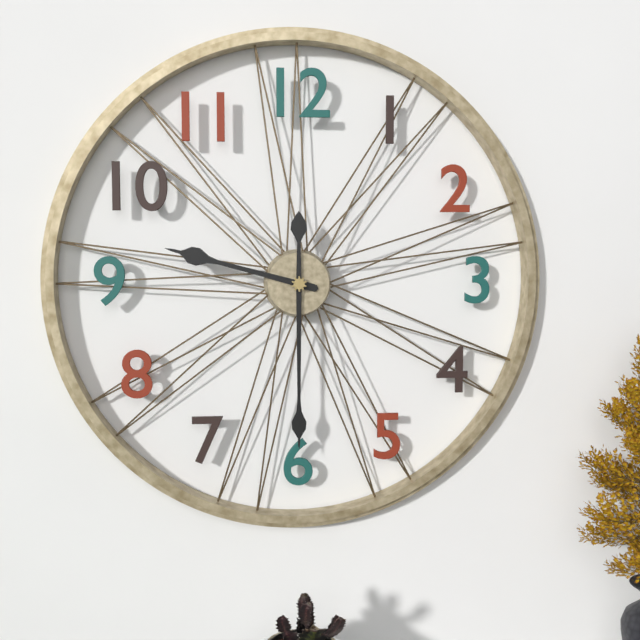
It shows 9,30
